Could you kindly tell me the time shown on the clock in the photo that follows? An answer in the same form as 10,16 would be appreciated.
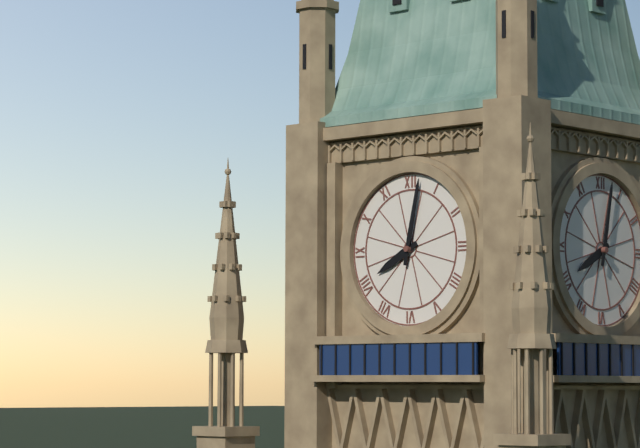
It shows 8,02
